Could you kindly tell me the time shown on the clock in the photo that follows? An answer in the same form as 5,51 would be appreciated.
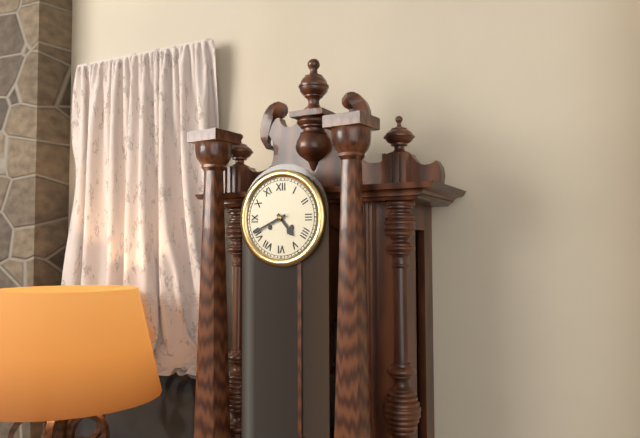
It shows 4,41
